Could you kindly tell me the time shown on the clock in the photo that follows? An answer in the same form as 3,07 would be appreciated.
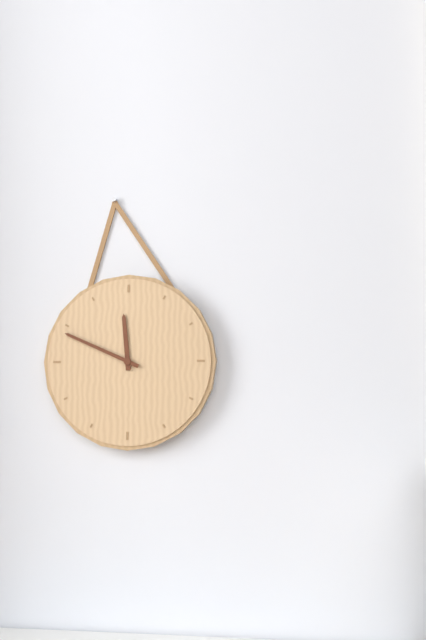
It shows 11,49
